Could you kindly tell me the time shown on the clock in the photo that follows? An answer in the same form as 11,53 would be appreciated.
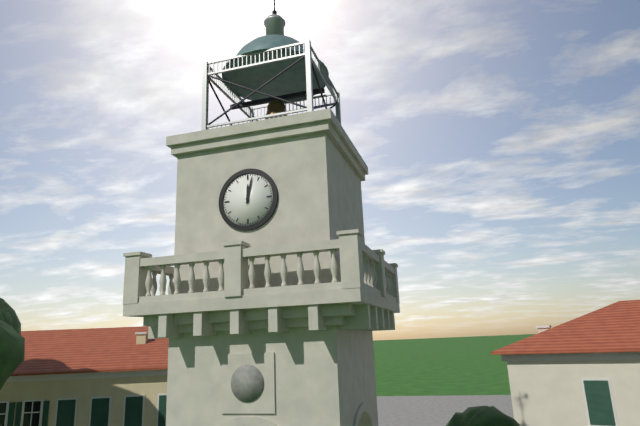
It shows 12,02
